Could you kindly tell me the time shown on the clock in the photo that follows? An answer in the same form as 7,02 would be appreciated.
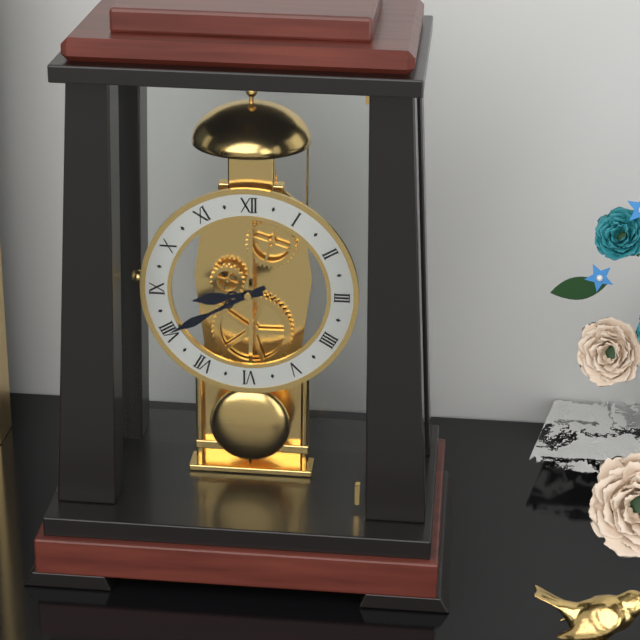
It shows 8,40
